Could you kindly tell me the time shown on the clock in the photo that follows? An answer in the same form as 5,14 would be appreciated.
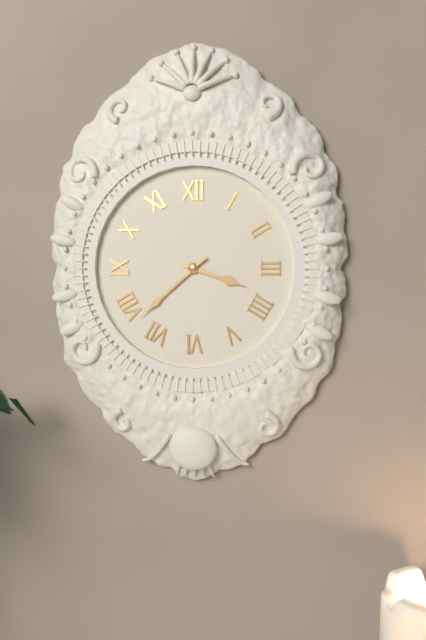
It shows 3,38
